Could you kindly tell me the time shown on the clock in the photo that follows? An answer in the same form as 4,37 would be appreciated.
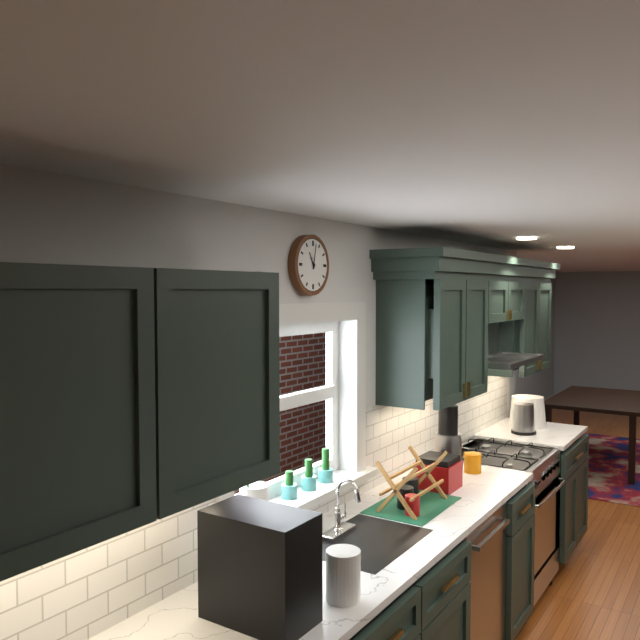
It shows 11,02
